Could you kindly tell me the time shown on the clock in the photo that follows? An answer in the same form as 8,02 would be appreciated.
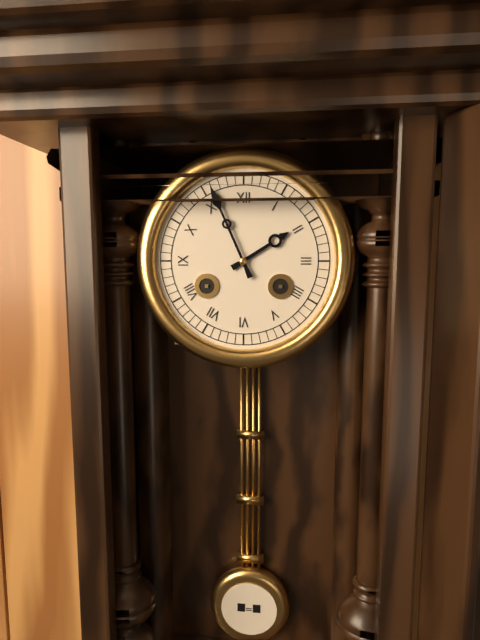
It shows 1,56
